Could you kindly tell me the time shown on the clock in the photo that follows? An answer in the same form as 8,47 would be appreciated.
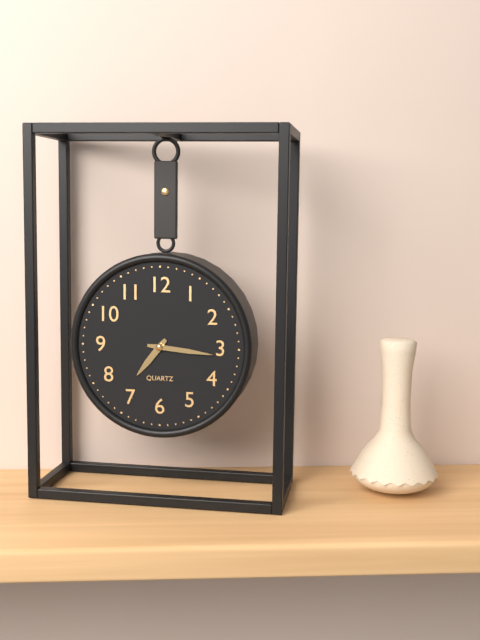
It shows 7,16
